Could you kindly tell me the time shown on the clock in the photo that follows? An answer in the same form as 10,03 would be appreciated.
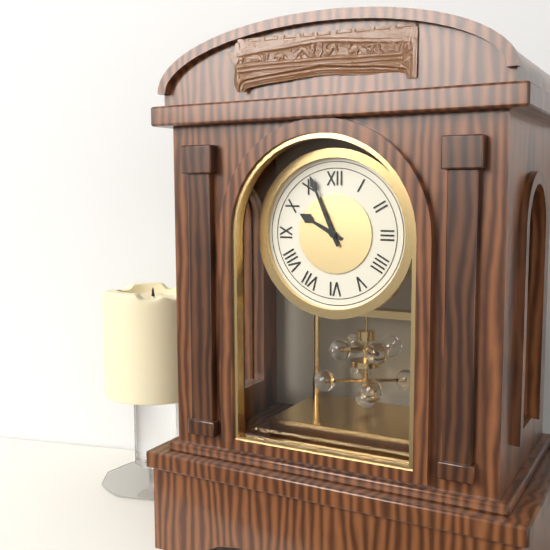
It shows 9,56
